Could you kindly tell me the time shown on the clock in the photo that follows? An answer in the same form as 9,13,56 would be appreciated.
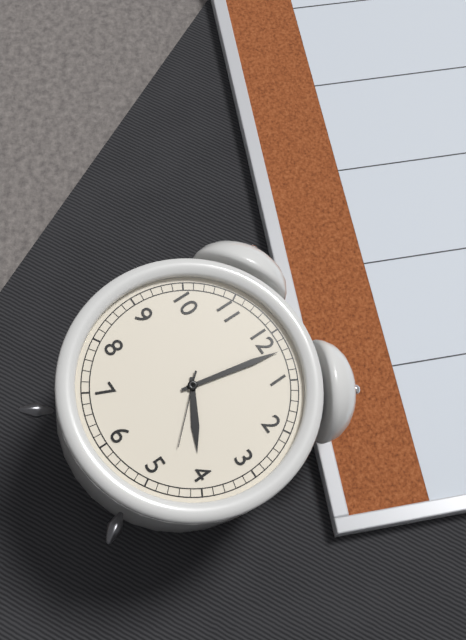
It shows 4,02,23
